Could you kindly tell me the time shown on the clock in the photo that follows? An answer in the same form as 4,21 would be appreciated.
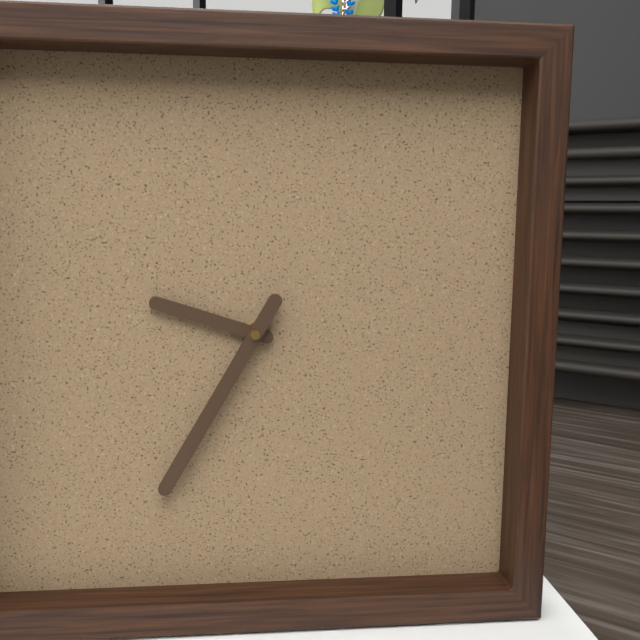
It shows 9,35
